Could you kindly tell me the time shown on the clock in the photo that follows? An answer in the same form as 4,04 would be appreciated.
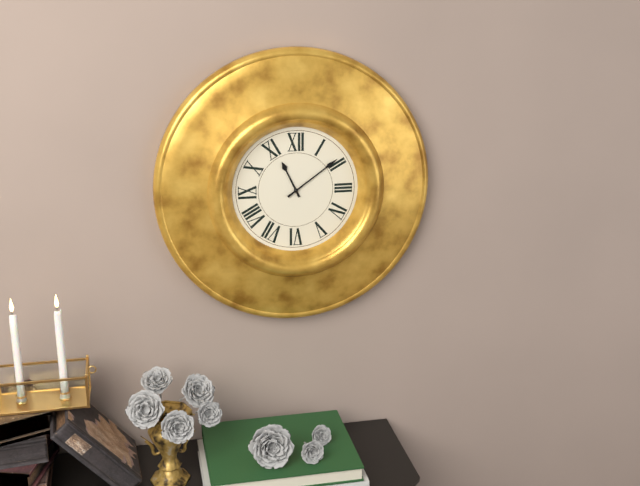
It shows 11,09
